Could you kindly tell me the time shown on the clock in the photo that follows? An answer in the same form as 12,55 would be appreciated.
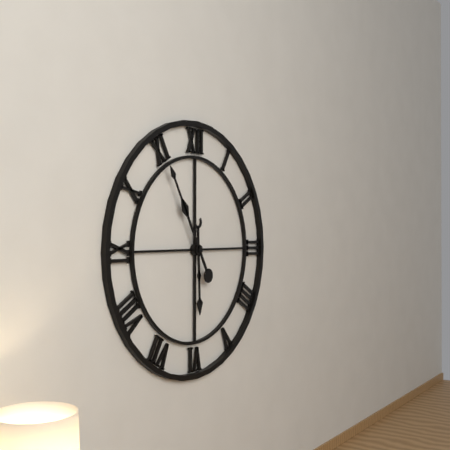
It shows 5,55
